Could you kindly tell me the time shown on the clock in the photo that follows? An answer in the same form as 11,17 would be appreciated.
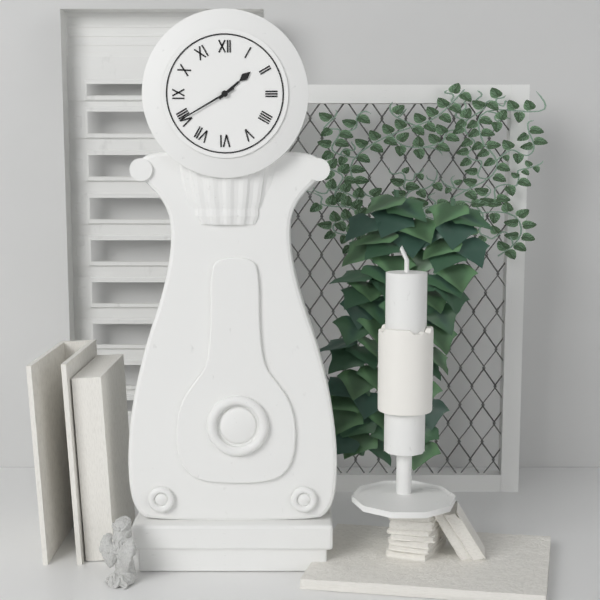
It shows 1,40
